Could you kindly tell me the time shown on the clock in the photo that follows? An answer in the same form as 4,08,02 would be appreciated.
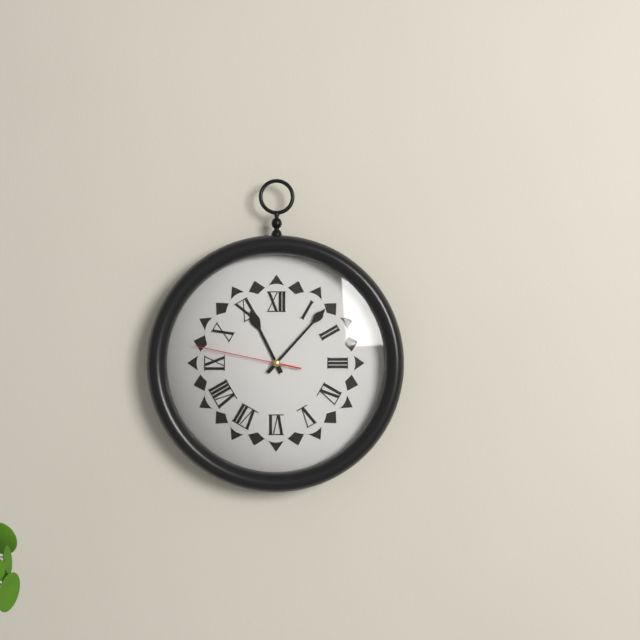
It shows 11,07,47
